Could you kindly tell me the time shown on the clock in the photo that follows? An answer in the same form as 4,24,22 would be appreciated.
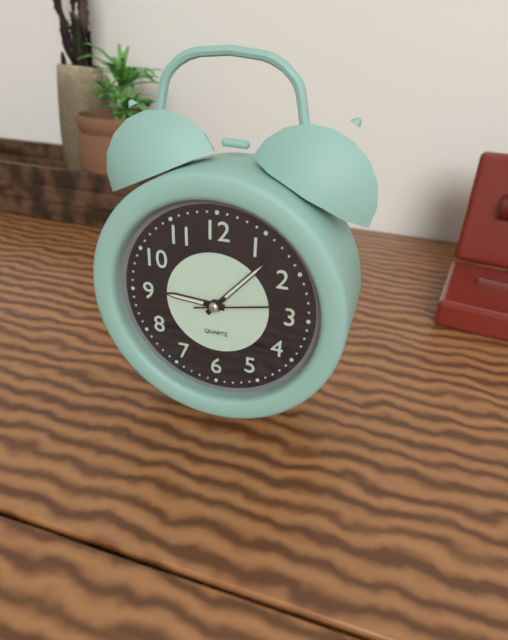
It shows 9,07,13
